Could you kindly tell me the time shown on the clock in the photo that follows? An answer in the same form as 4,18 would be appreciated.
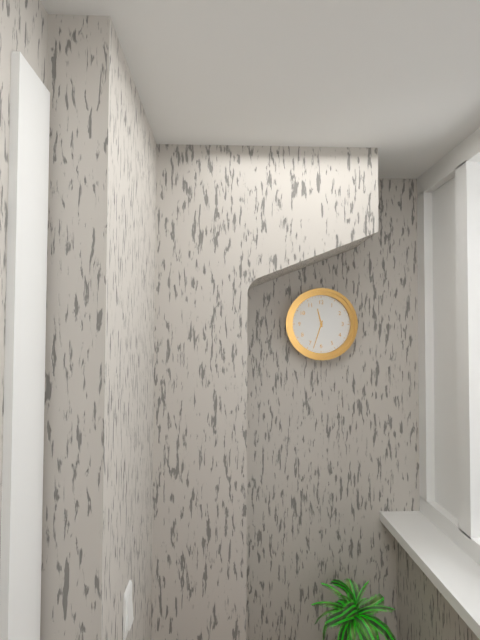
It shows 11,33
